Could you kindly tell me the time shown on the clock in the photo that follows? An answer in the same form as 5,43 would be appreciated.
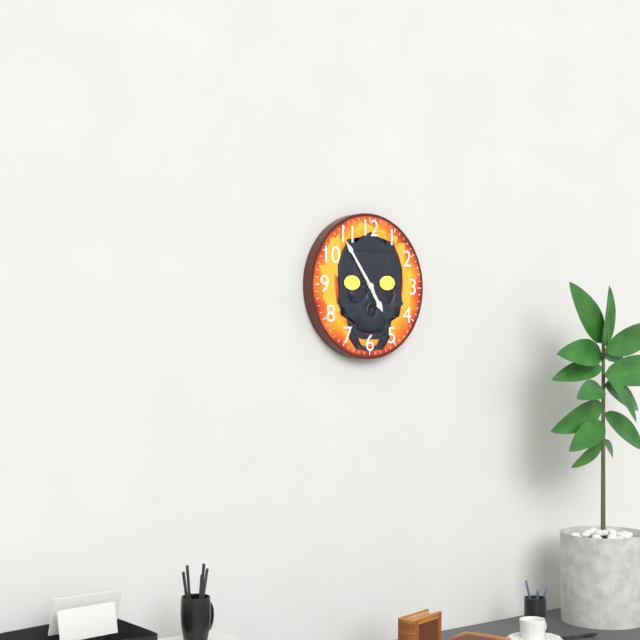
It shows 4,54
